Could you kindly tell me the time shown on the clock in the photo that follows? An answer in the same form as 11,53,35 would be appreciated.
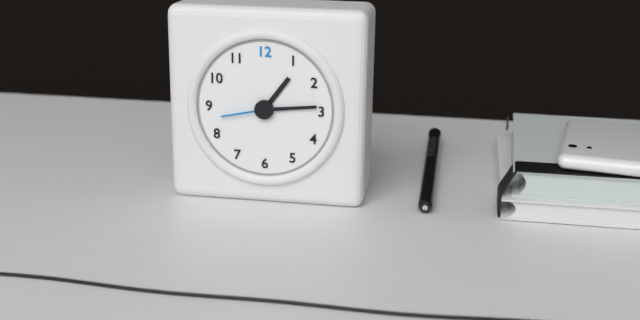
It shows 1,14,43
